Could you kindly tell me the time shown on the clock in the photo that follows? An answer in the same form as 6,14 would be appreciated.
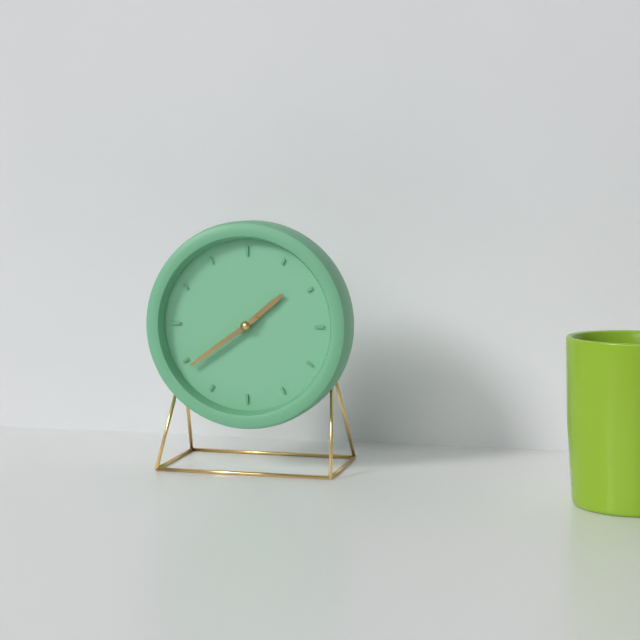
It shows 1,39
